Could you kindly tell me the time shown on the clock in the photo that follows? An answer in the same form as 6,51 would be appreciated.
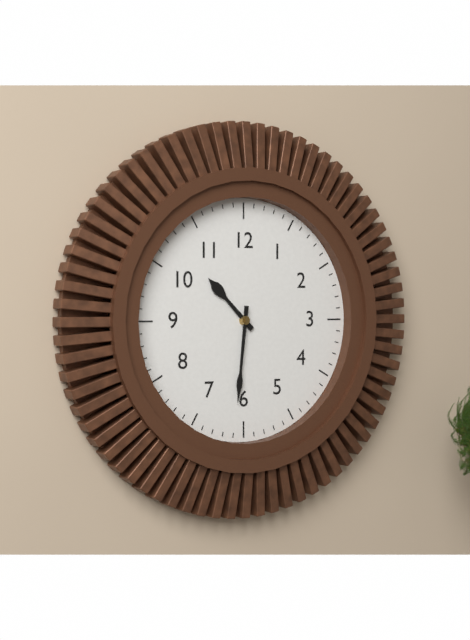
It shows 10,31
